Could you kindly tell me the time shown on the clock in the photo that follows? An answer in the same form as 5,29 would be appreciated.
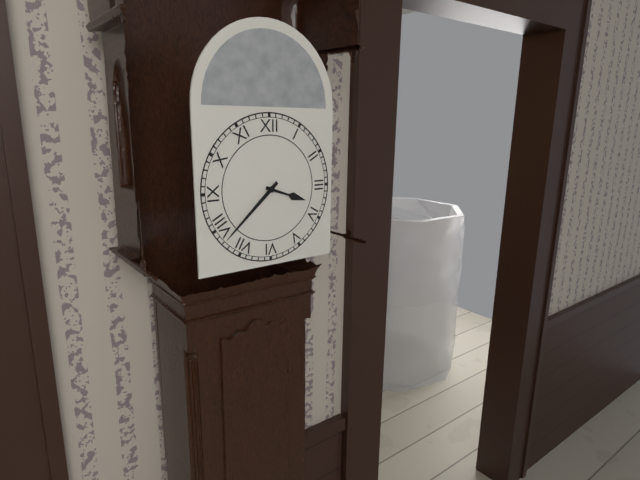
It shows 3,38
